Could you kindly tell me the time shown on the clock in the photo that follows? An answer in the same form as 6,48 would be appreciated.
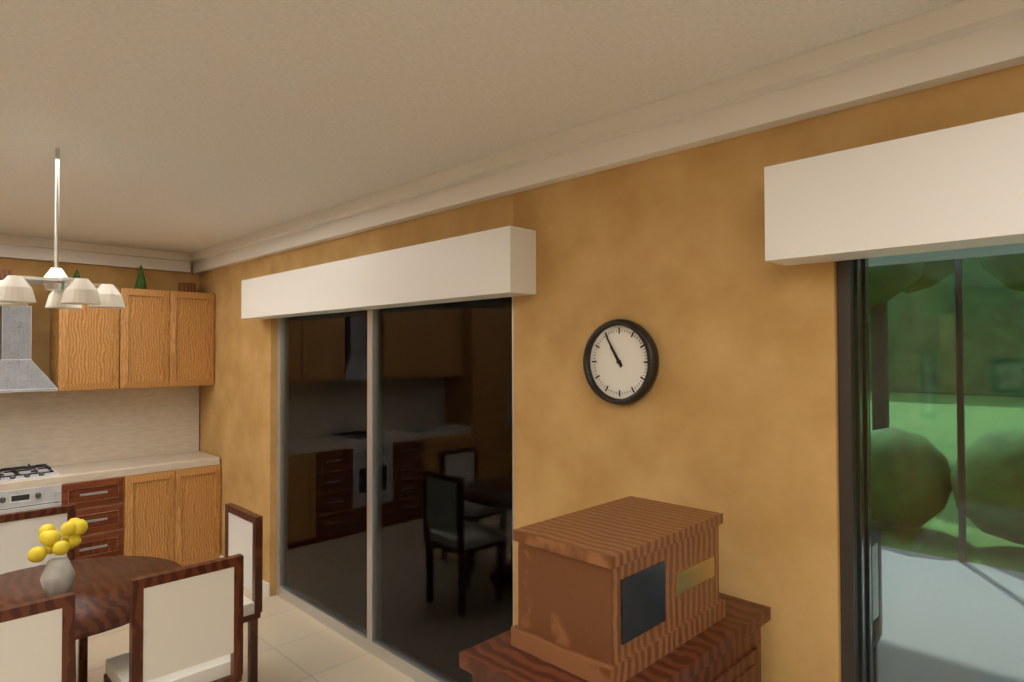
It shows 10,55
